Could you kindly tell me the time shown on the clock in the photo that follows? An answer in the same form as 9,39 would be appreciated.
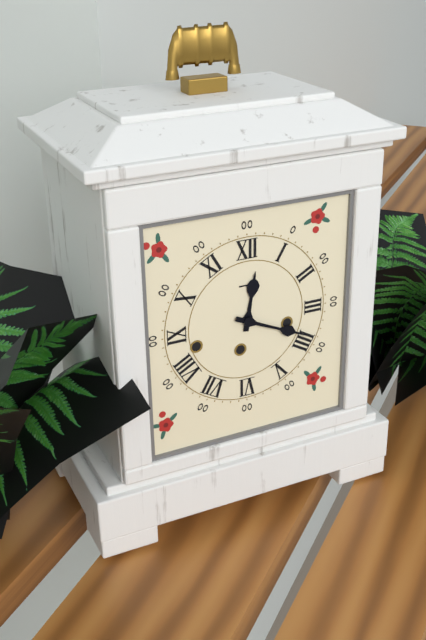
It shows 12,19
